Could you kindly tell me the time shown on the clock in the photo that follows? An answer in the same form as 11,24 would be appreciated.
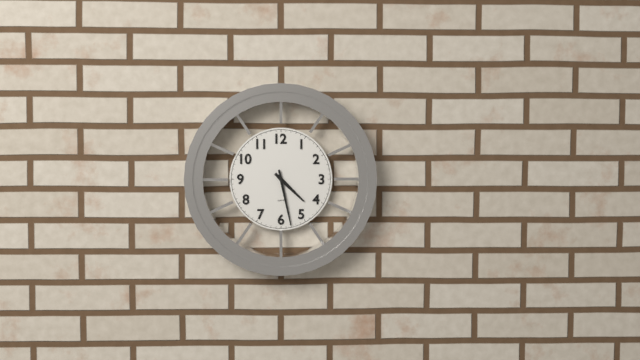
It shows 4,28
